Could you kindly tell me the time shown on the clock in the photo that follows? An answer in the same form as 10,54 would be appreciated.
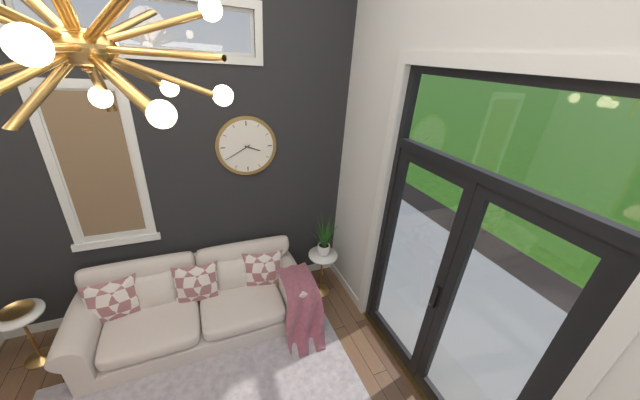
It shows 3,40
